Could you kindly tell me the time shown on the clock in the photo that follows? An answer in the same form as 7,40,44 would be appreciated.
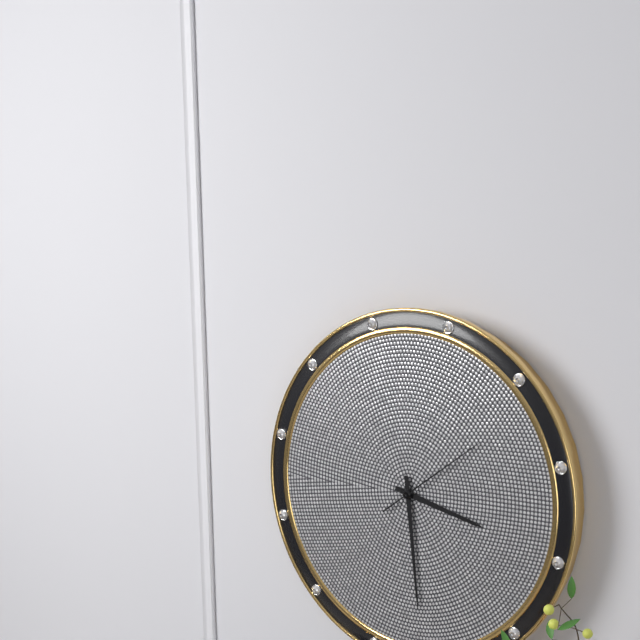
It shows 3,29,09
